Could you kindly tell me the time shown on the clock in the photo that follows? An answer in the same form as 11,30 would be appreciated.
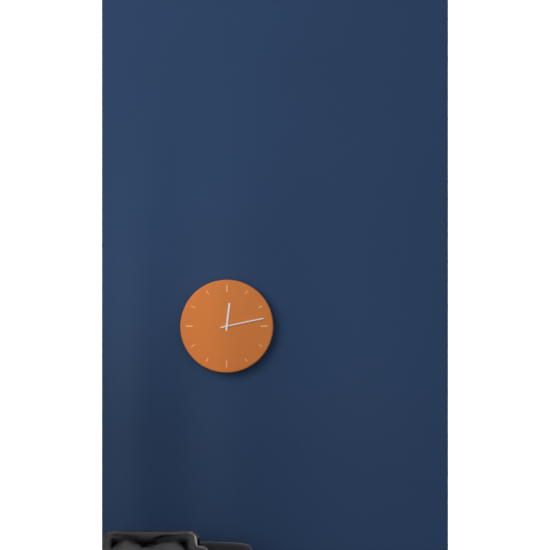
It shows 12,13
